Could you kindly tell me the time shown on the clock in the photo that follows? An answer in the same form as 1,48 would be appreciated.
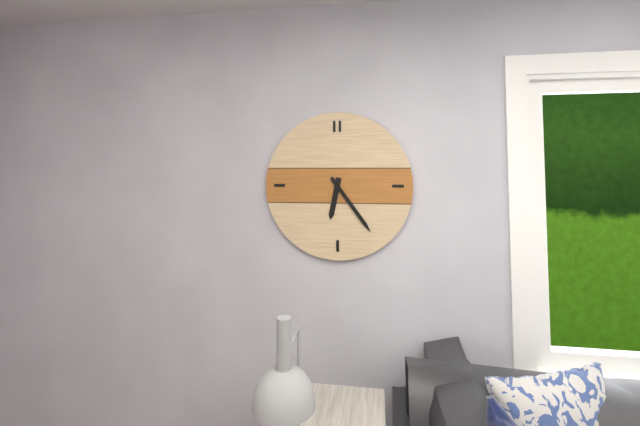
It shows 6,24
